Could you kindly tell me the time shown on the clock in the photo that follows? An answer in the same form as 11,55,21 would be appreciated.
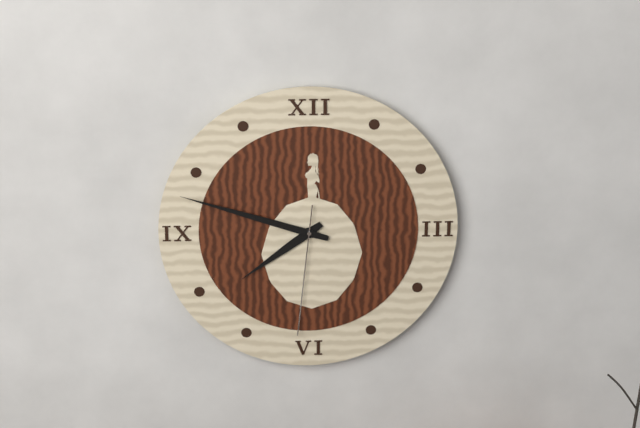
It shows 7,48,31
